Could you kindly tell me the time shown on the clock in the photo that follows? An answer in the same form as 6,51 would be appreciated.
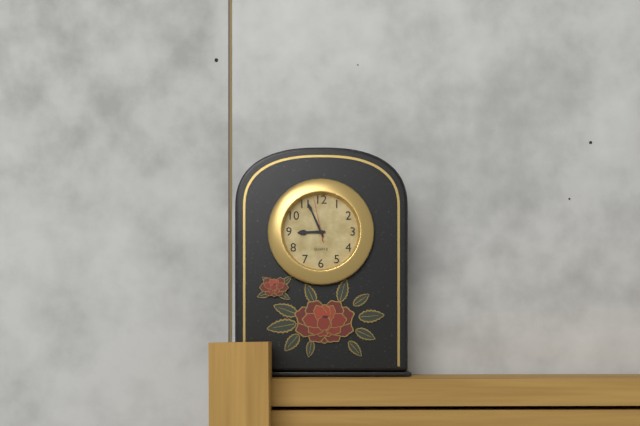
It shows 8,56
